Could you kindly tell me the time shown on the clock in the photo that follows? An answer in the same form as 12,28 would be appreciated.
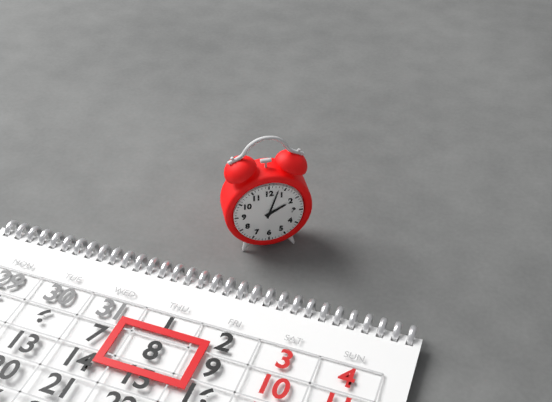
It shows 2,03
